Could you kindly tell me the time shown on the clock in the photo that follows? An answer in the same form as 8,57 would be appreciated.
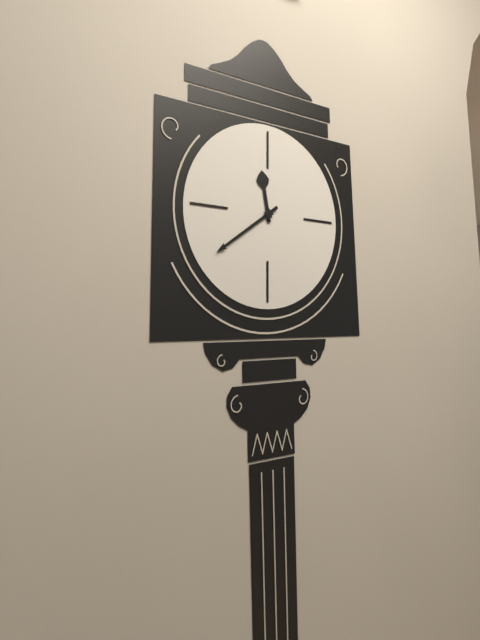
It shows 11,39
